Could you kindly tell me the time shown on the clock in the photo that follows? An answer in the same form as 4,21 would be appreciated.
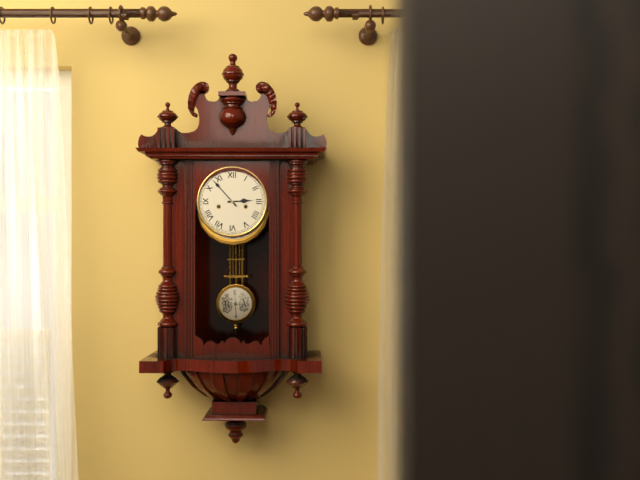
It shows 2,53
